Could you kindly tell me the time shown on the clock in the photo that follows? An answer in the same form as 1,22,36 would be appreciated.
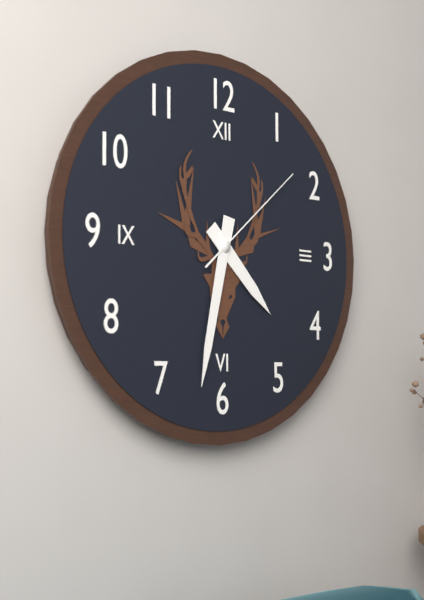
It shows 4,32,08
